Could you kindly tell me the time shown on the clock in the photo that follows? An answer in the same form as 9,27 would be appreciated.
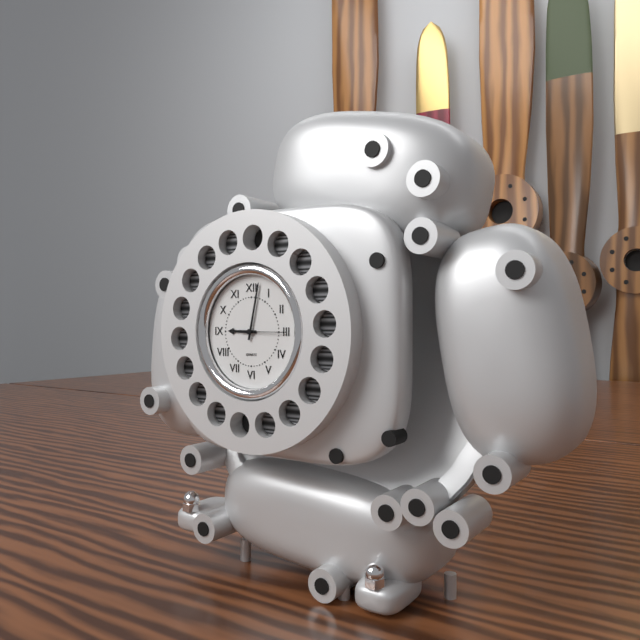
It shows 9,02
